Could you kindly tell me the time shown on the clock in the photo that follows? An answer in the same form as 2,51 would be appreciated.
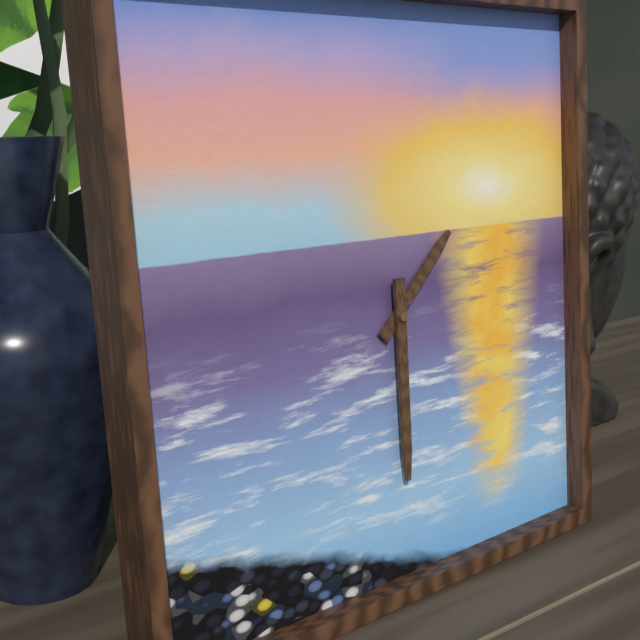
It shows 1,30
